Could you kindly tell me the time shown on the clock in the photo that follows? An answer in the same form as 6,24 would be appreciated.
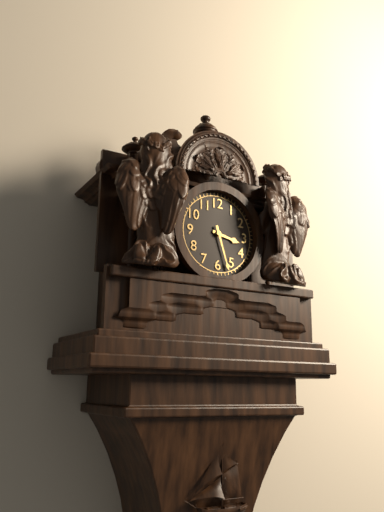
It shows 3,27
